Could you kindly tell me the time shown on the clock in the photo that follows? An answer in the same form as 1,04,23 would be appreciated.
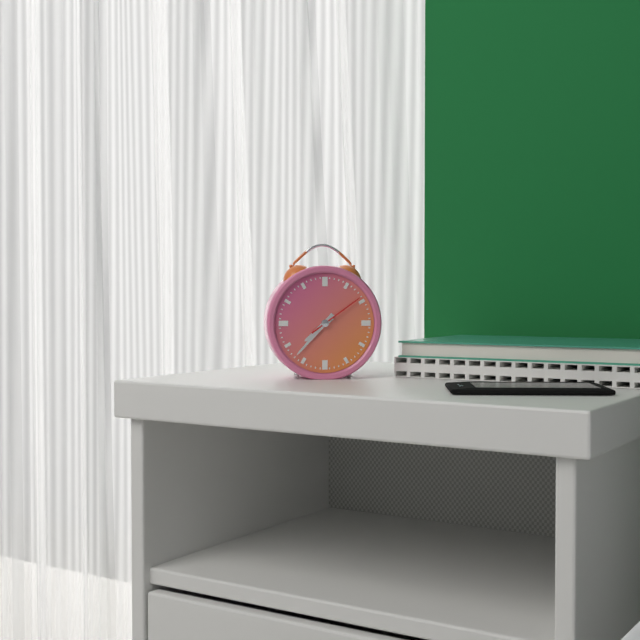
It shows 7,37,09
